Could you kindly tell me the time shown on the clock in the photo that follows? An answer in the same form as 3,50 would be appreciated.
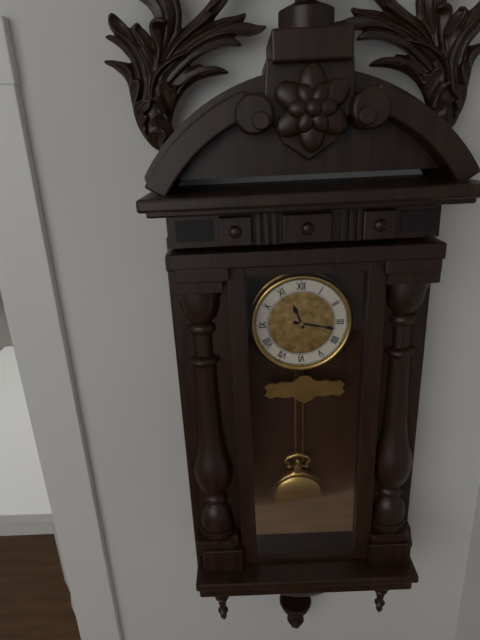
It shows 11,17
